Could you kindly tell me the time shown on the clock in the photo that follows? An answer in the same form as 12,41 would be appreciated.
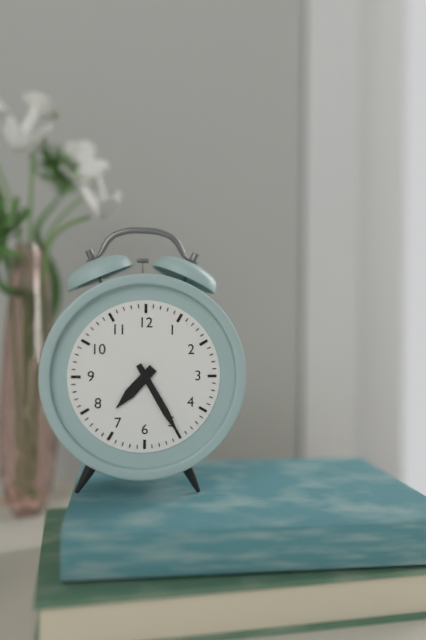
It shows 7,25
